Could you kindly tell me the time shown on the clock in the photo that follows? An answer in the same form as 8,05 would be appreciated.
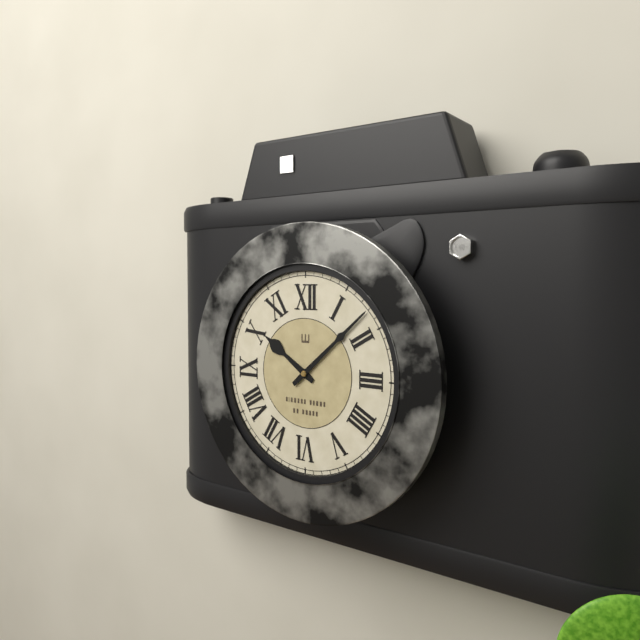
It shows 10,08
